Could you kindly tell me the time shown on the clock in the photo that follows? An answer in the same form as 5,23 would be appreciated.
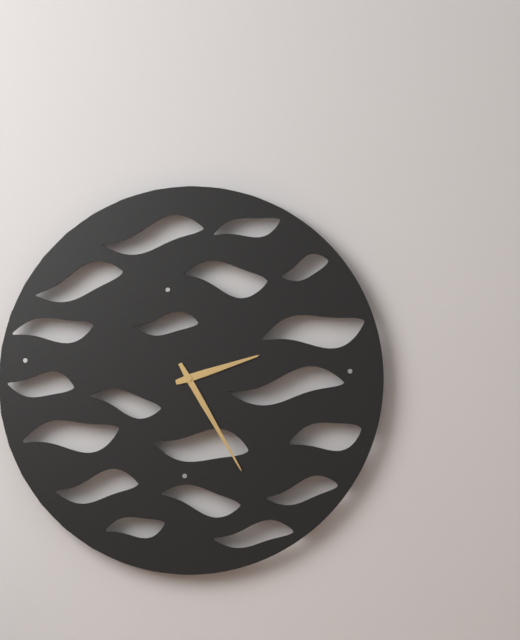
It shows 2,25
